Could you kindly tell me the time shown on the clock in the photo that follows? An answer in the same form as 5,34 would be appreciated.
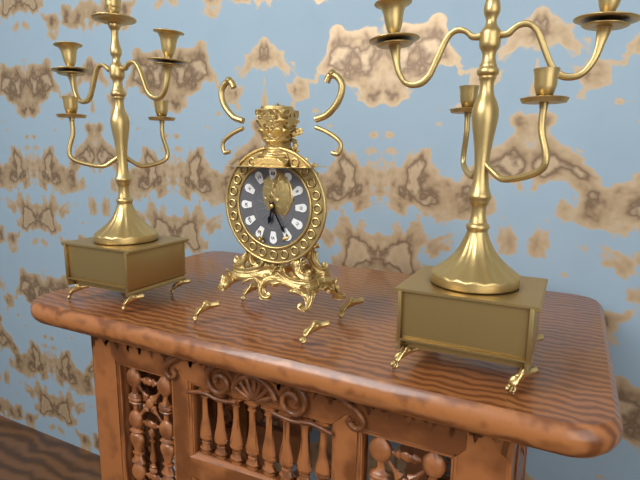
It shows 6,25
